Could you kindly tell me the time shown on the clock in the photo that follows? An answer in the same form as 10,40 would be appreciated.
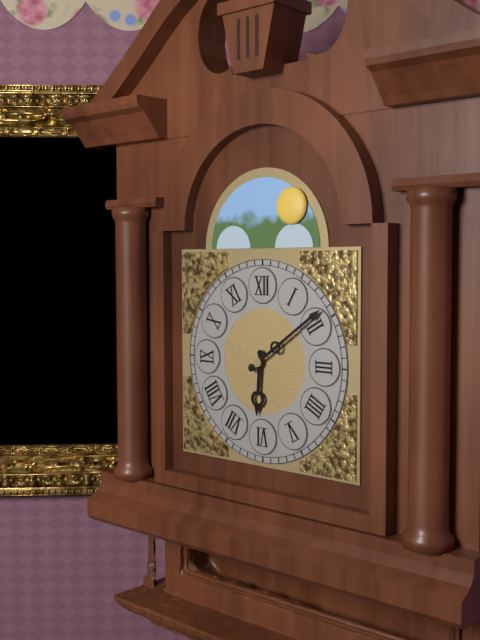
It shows 6,09
